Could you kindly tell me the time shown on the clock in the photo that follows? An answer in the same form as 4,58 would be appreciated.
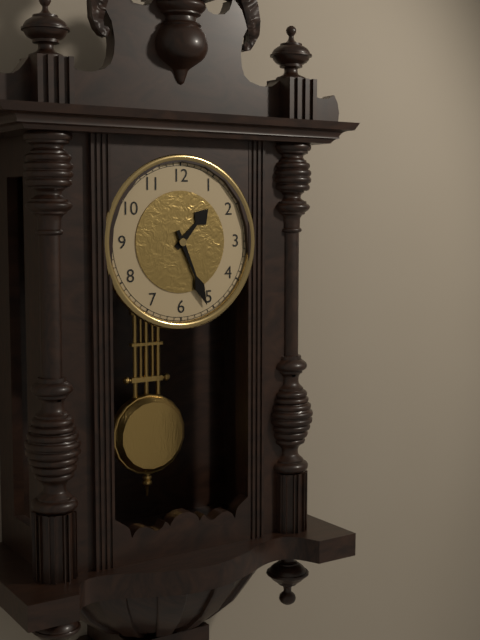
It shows 1,26
